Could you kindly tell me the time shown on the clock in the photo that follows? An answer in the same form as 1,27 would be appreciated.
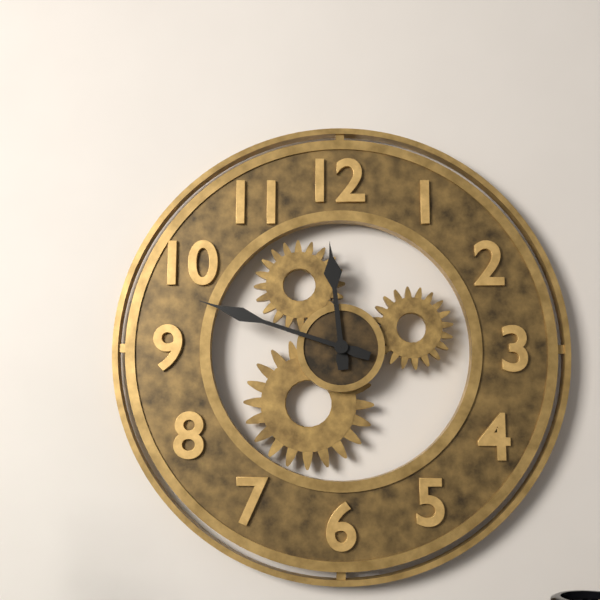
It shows 11,48
